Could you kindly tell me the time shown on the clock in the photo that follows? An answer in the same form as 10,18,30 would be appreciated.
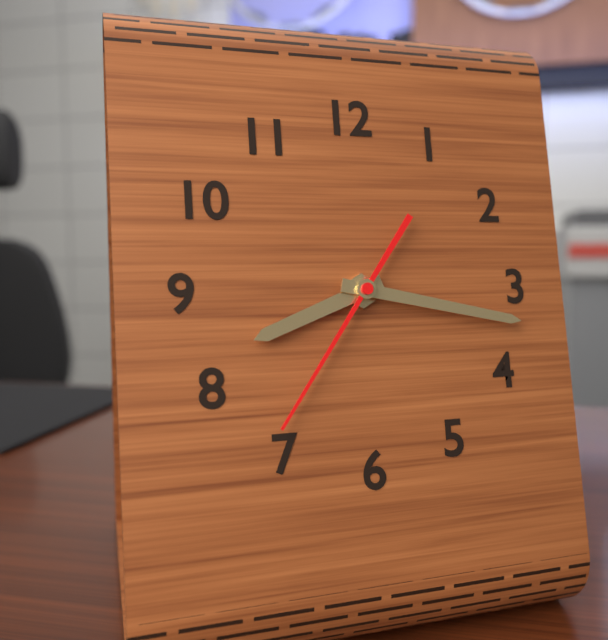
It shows 8,17,36
